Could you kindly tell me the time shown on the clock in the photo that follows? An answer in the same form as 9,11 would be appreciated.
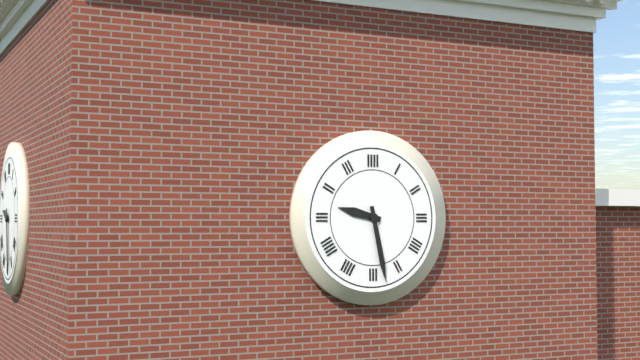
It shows 9,28
